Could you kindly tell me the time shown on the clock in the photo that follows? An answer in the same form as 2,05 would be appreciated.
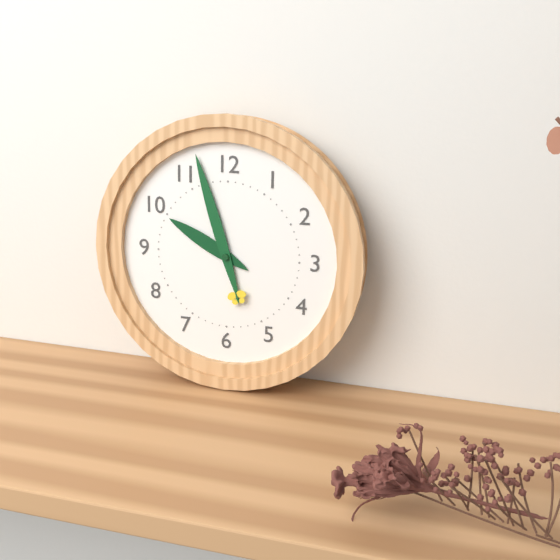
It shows 9,57
